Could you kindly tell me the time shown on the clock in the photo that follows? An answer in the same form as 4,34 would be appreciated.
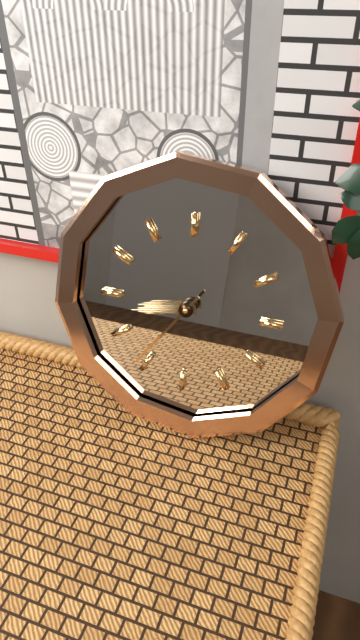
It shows 8,36
